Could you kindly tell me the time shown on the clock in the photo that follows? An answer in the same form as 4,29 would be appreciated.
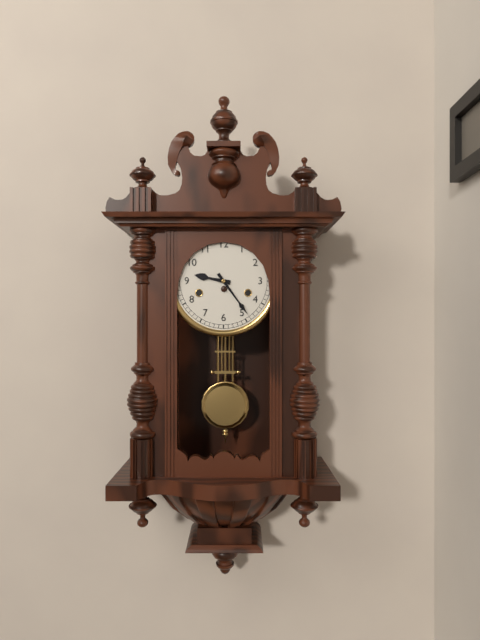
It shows 9,24
